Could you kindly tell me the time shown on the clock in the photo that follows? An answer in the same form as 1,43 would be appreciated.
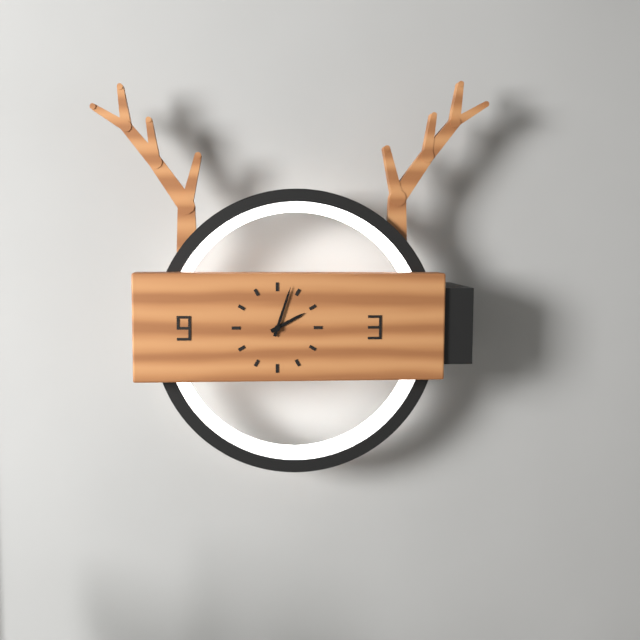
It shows 2,03
